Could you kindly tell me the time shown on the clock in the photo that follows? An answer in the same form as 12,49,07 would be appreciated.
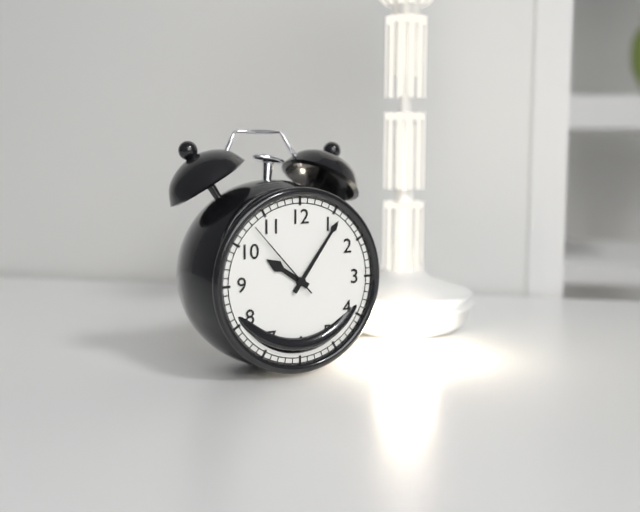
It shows 10,06,53
